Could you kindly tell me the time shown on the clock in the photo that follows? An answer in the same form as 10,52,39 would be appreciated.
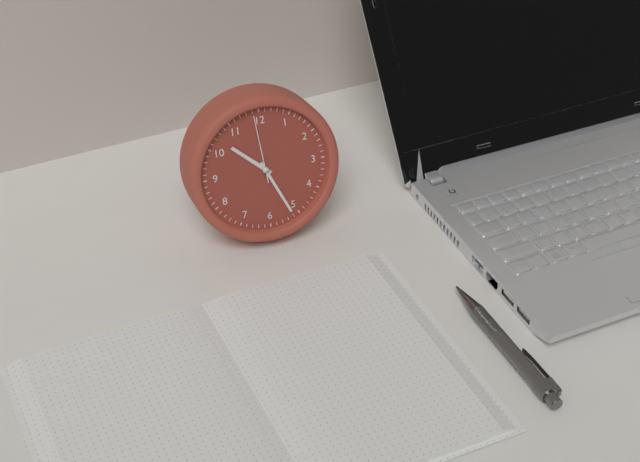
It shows 10,26,59
